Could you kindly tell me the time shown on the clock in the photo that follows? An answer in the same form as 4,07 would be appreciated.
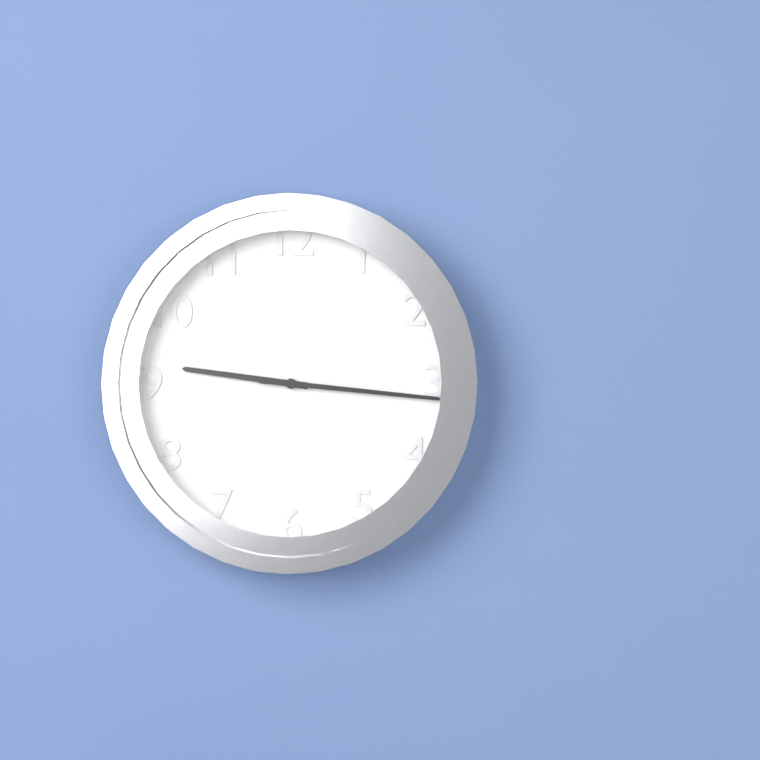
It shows 9,16
